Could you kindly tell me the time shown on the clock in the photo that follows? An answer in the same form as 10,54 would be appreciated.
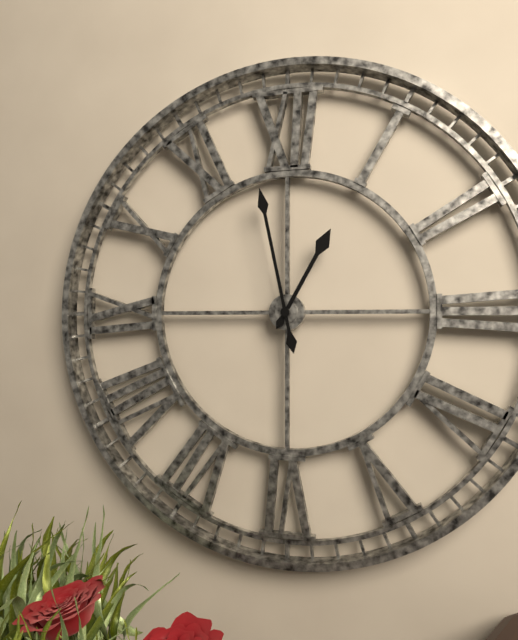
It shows 12,58
